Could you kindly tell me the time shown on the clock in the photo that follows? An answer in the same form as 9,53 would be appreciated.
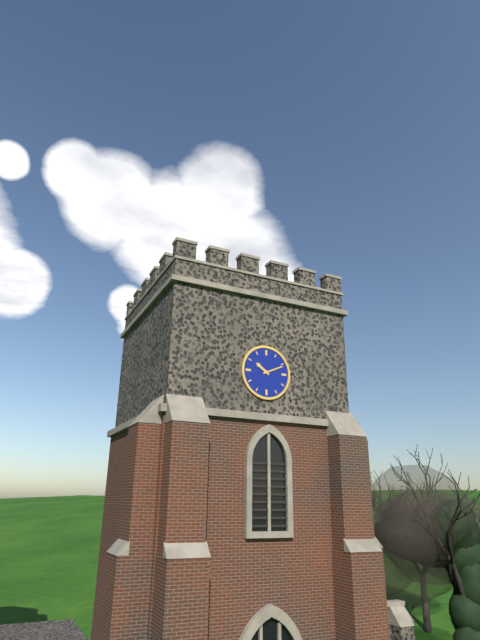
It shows 10,11
